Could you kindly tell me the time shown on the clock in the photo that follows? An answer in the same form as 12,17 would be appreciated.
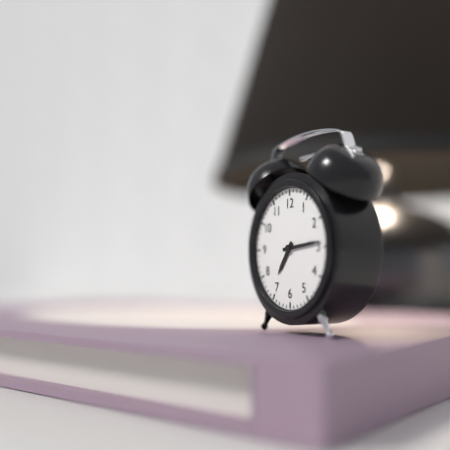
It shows 7,14
